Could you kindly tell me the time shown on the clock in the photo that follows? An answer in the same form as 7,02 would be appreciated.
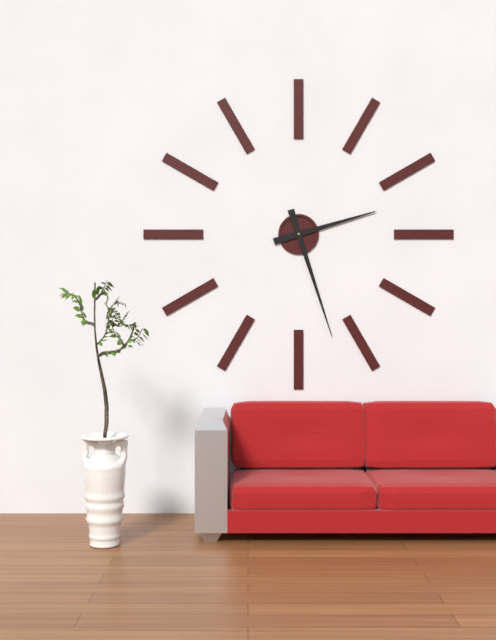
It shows 2,27
